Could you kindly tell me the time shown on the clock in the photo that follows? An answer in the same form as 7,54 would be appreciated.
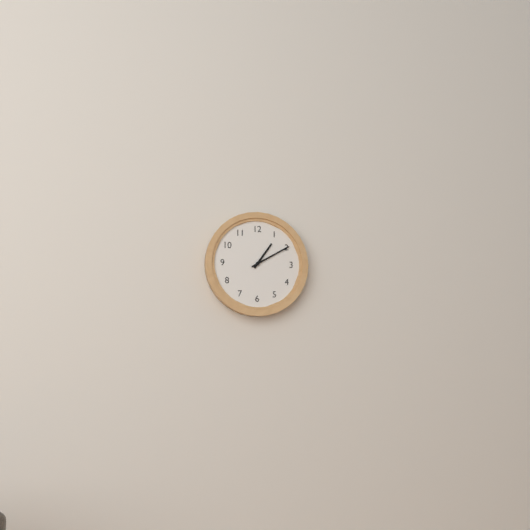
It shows 1,10
